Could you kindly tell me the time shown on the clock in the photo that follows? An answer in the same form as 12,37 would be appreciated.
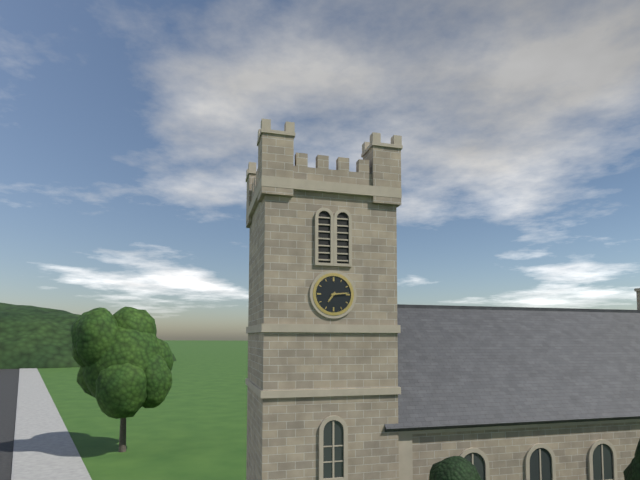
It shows 7,14
